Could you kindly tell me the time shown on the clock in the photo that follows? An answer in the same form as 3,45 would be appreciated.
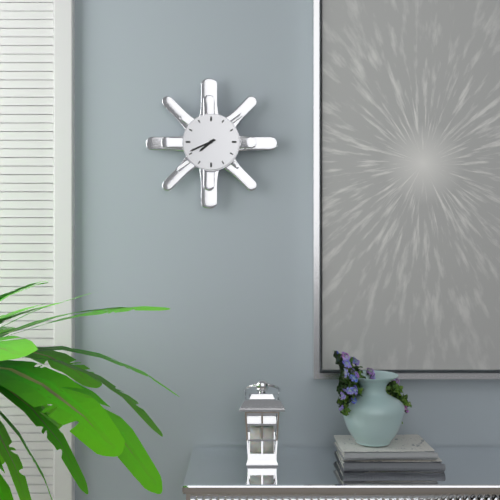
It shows 7,41
